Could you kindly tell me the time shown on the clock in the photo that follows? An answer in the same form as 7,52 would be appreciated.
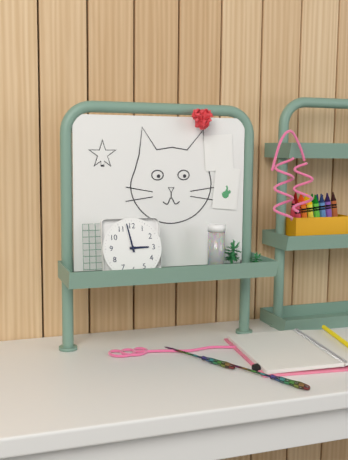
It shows 2,58
